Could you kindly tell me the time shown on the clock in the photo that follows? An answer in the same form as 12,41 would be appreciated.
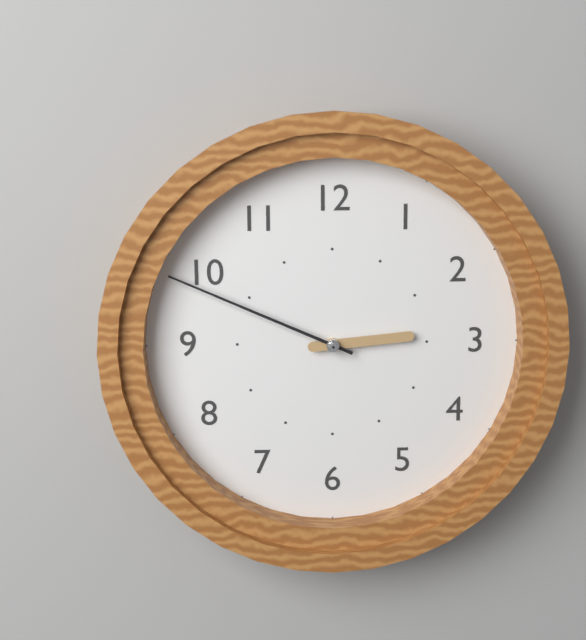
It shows 2,49
